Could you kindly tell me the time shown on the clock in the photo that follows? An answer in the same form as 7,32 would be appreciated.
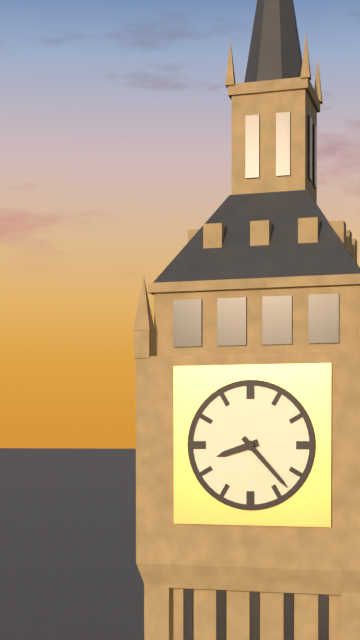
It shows 8,23
